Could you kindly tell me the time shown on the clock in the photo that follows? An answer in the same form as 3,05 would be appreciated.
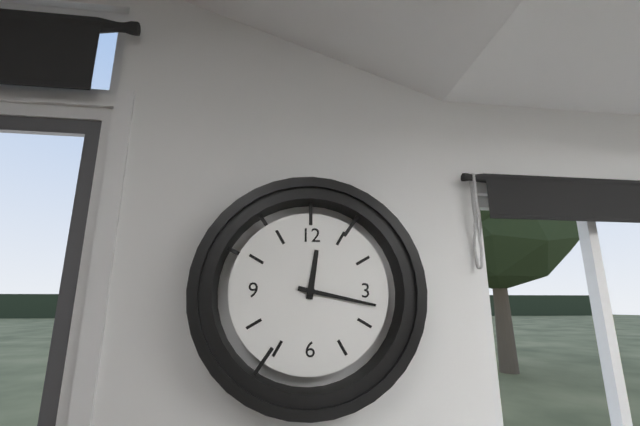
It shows 12,17
